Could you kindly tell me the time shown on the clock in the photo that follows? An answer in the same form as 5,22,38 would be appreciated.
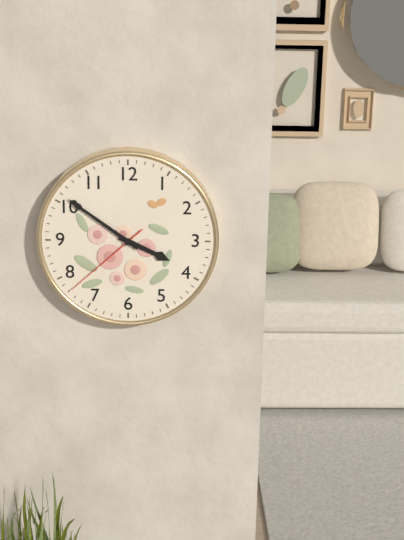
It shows 3,51,38
